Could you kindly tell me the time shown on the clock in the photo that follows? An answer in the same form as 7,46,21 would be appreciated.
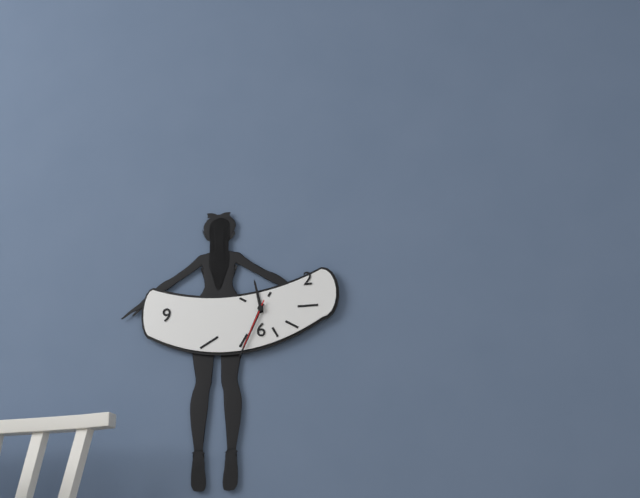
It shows 11,34,34
